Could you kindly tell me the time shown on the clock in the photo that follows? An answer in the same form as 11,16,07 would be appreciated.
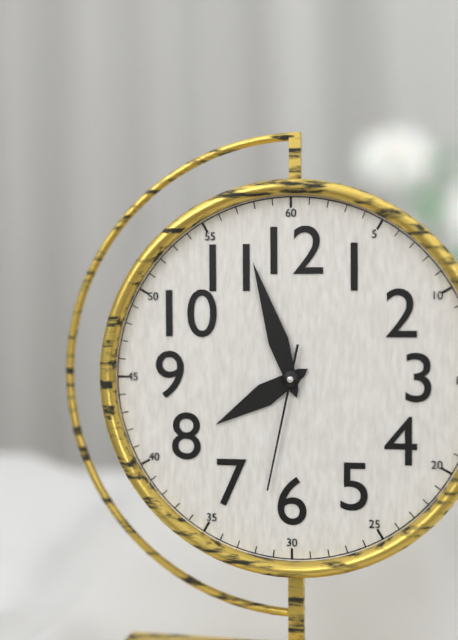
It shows 7,57,32
